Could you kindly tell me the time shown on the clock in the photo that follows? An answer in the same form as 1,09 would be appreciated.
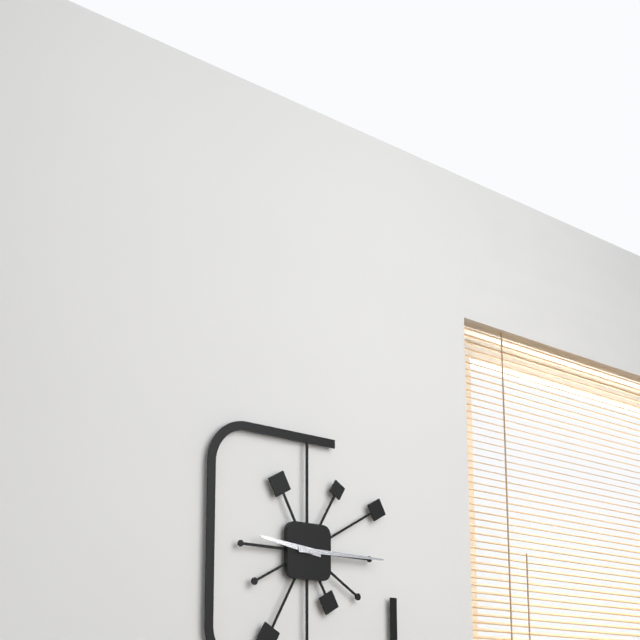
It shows 9,15
